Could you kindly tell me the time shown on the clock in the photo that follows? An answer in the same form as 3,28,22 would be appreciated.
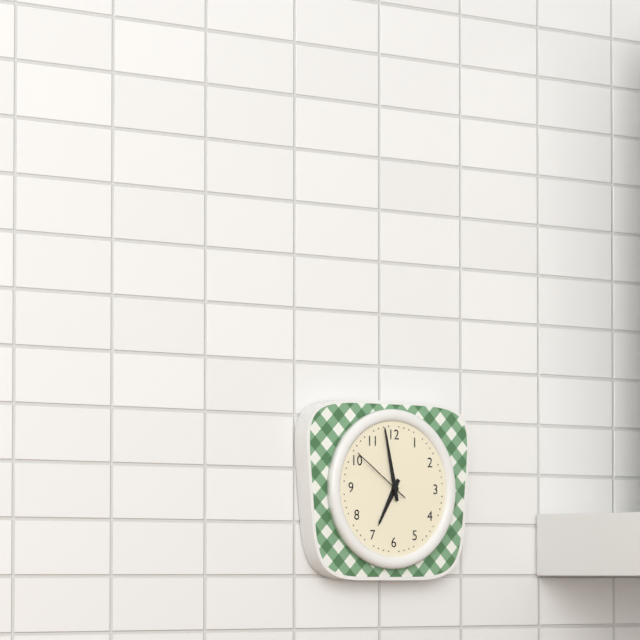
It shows 6,58,51
